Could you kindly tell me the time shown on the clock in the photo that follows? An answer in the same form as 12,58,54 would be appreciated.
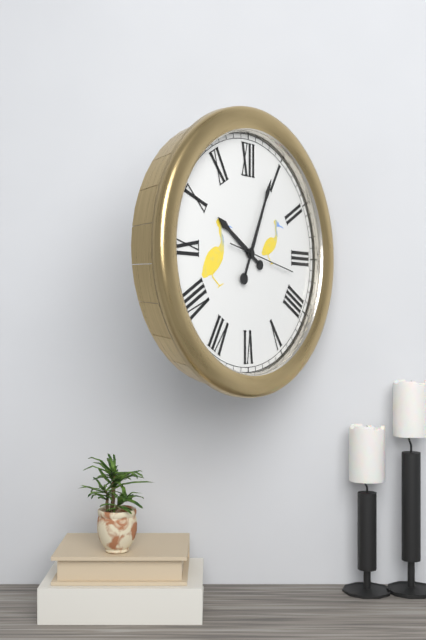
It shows 10,04,17
